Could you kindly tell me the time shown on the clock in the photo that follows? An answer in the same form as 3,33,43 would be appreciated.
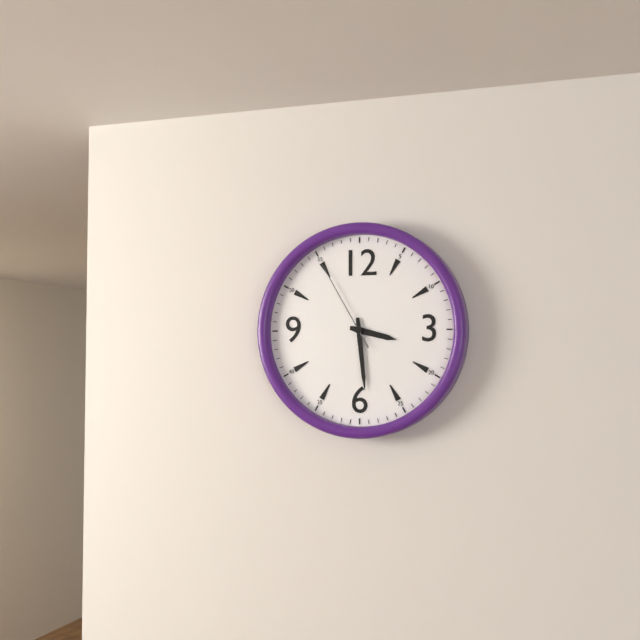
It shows 3,29,55
